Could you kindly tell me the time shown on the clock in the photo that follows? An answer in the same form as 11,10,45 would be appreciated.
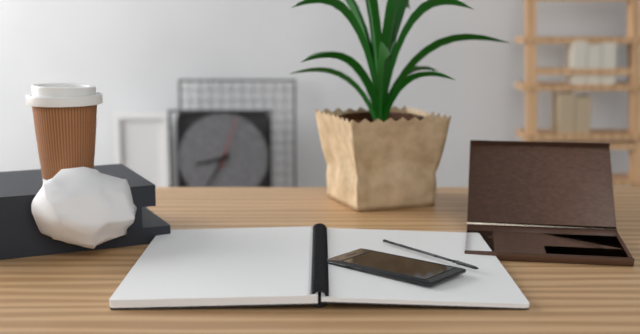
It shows 8,35,03
